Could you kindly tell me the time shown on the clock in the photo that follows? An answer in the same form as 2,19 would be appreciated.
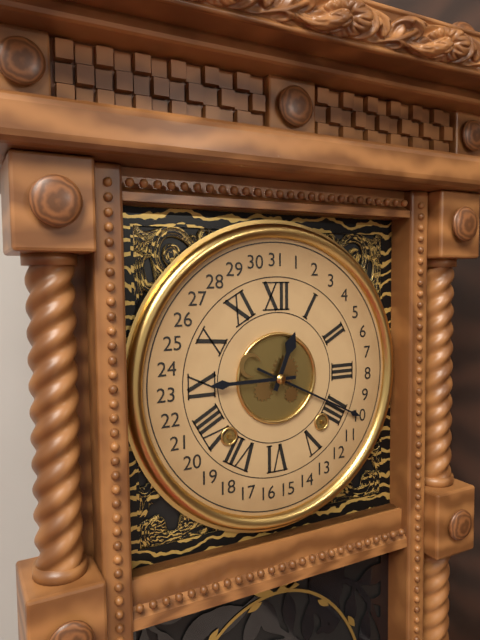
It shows 12,45
